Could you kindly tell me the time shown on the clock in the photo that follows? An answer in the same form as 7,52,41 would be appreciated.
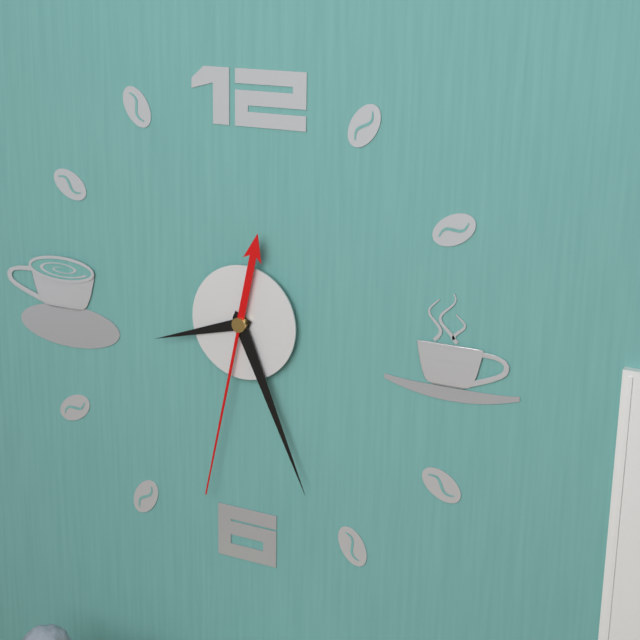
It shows 8,26,32
